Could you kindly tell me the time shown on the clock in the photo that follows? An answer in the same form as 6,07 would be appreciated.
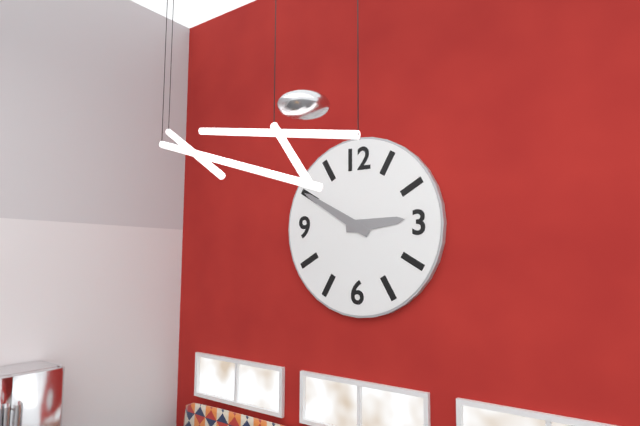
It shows 2,50
